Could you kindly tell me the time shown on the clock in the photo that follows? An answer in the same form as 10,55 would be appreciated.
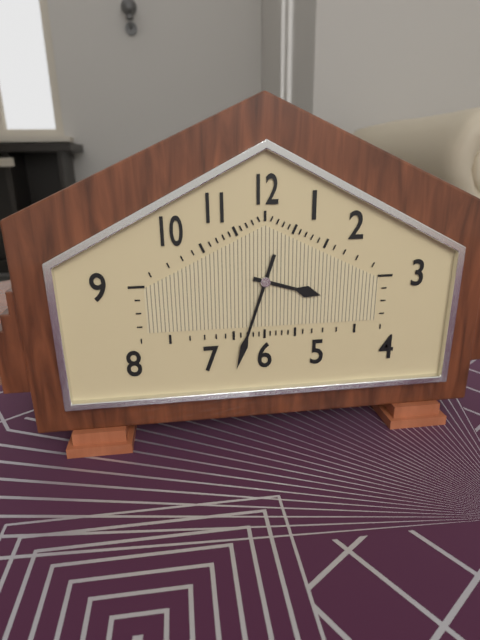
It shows 3,33
